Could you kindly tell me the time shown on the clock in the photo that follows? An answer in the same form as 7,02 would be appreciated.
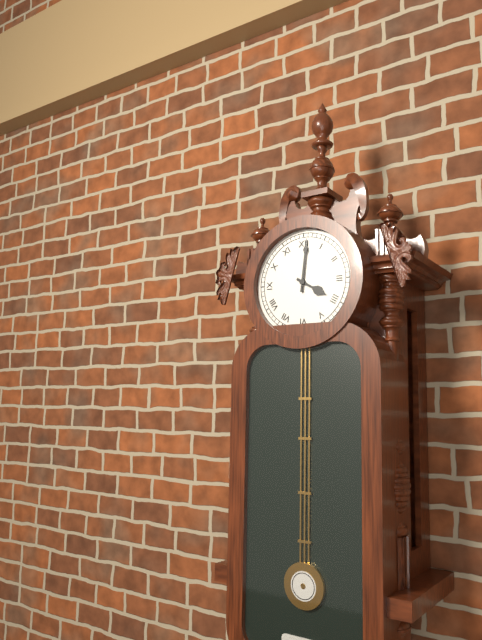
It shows 4,01
